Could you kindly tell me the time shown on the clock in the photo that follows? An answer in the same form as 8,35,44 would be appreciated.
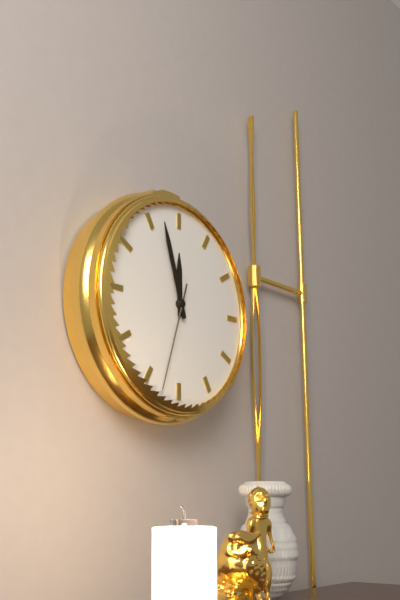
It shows 11,57,33
